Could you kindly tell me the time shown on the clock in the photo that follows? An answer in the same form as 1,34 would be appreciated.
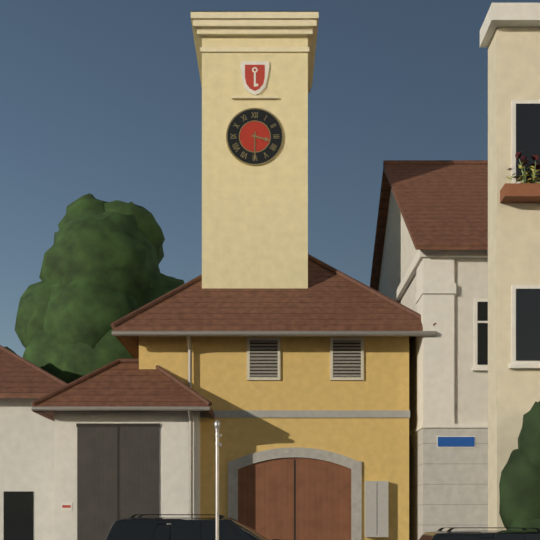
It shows 3,30
